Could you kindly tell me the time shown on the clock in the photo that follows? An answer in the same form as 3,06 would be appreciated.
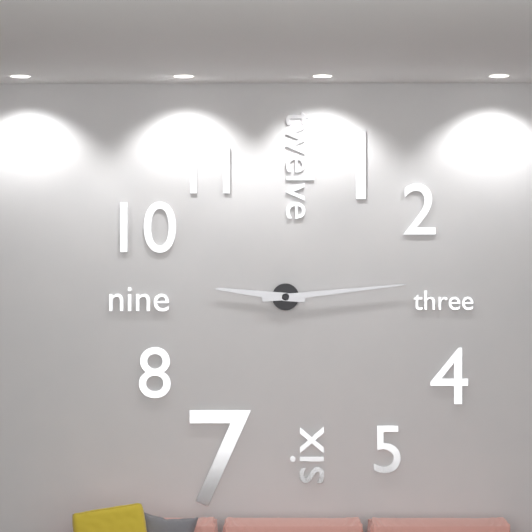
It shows 9,14
